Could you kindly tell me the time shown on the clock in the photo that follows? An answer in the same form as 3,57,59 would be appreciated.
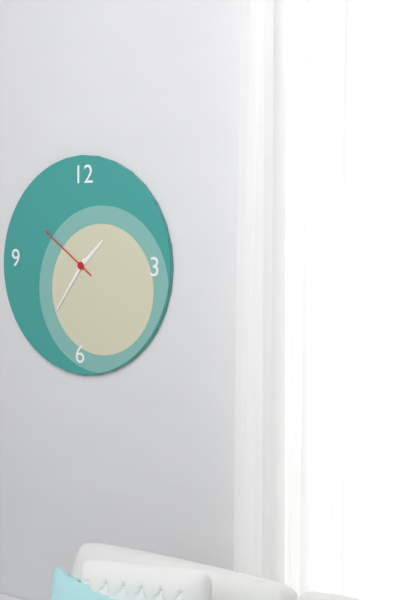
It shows 1,36,51
